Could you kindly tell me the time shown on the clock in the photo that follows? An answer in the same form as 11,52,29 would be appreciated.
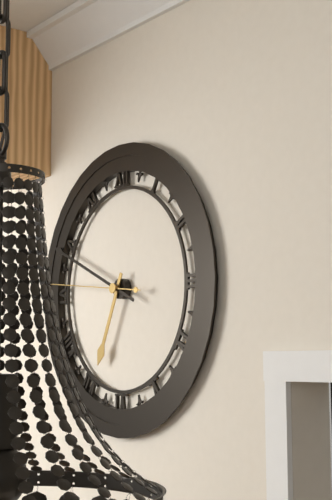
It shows 6,49,46
